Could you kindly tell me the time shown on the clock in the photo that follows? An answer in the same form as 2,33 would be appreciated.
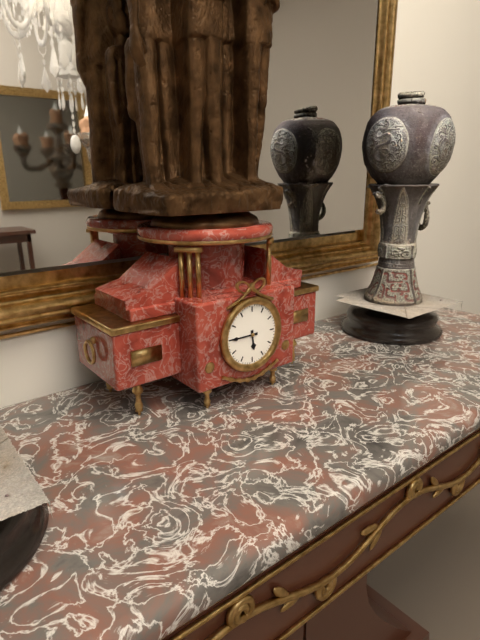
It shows 5,45
